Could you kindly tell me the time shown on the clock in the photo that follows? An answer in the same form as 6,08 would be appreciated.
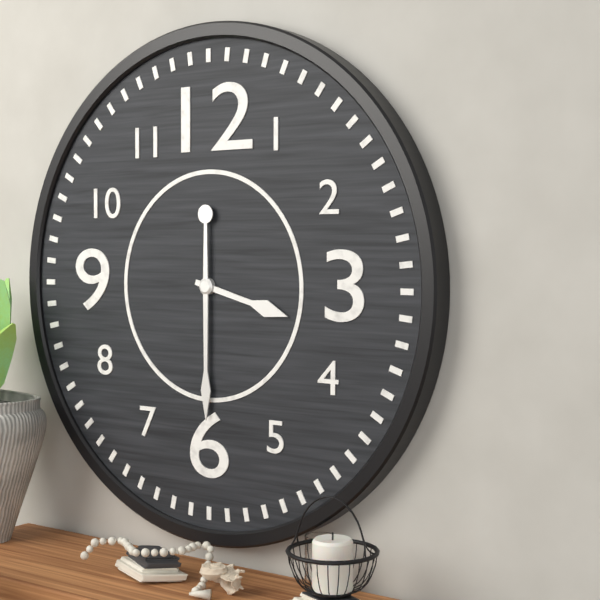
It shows 3,30
